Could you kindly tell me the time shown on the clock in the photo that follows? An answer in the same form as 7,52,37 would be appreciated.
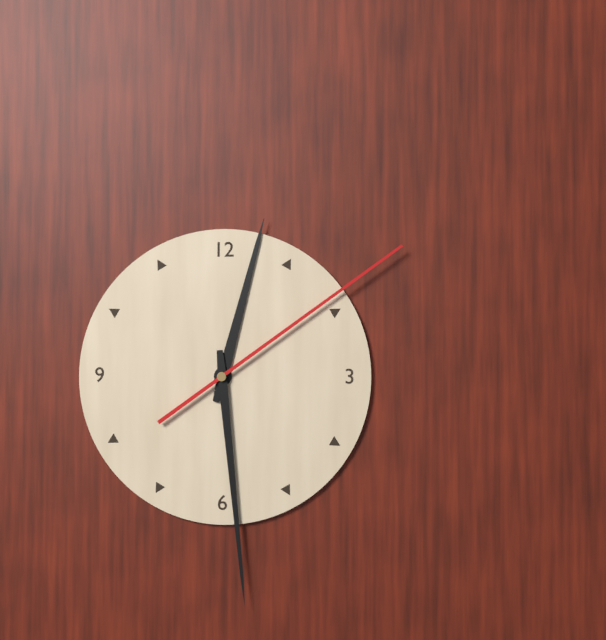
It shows 12,29,09
